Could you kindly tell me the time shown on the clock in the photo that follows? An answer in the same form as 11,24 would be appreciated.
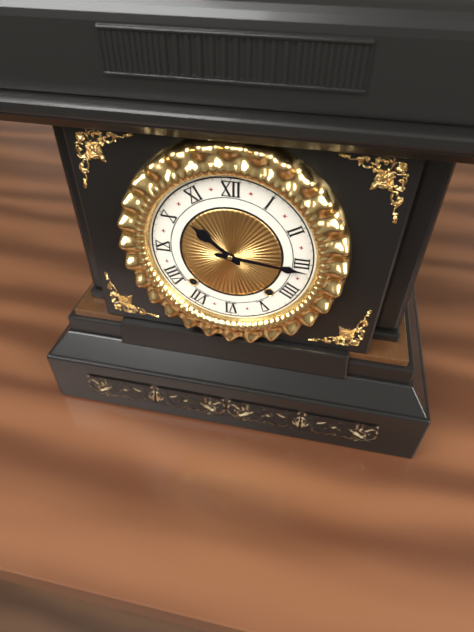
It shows 10,16
